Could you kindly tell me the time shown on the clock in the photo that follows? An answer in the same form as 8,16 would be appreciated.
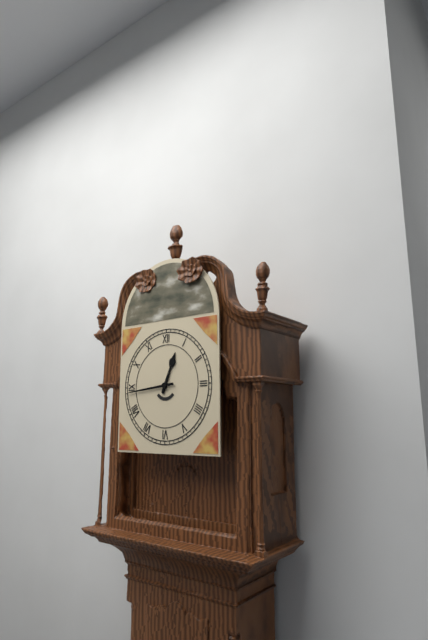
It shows 12,44
